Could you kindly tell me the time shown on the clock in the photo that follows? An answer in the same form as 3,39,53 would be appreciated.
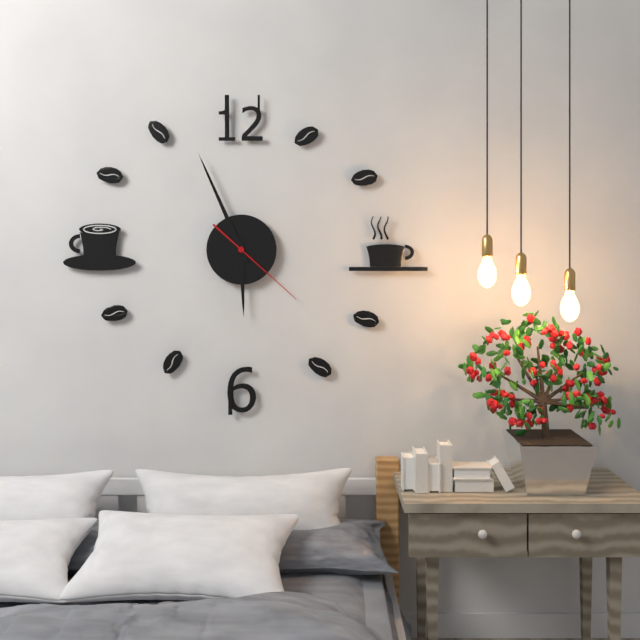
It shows 5,56,22
